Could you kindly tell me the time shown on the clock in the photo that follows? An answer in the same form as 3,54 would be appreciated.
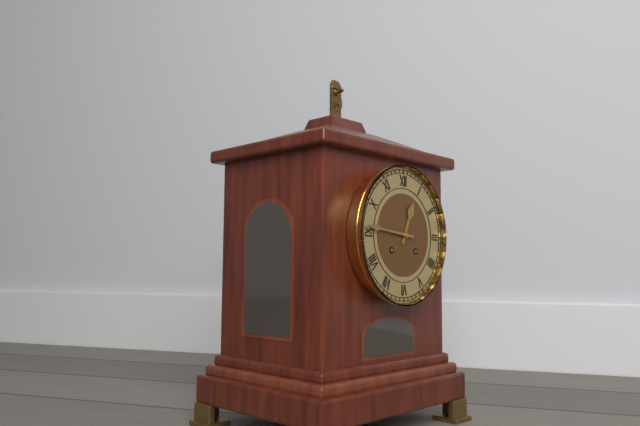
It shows 12,46
